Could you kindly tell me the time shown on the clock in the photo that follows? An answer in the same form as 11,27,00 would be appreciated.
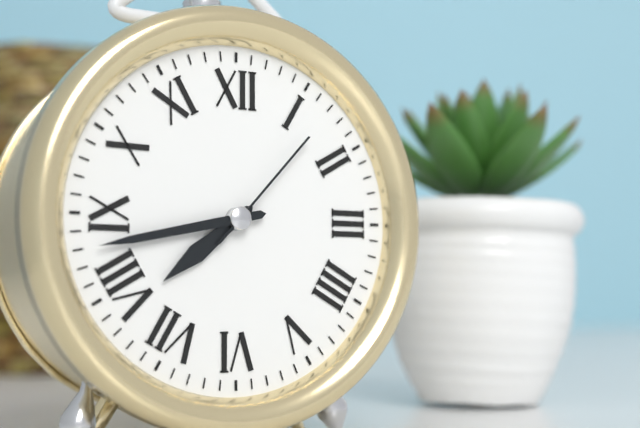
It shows 7,43,07
